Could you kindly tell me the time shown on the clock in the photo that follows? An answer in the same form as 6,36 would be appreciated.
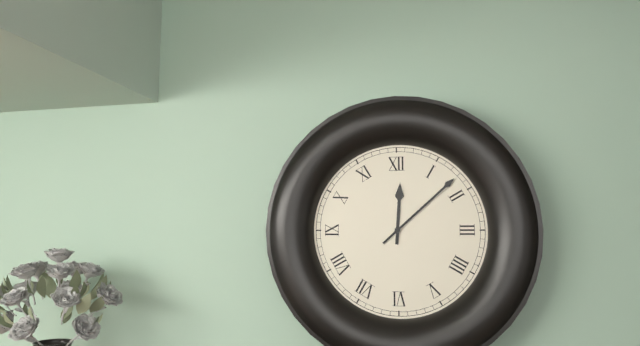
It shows 12,08
